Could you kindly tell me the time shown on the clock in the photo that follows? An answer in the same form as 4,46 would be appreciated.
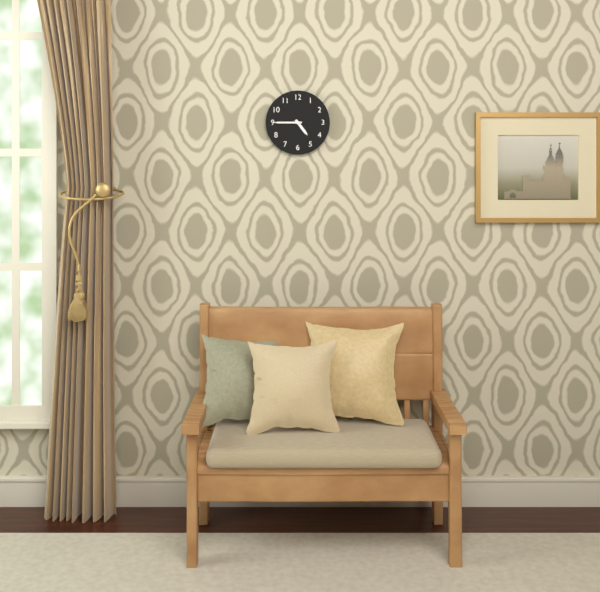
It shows 4,45
